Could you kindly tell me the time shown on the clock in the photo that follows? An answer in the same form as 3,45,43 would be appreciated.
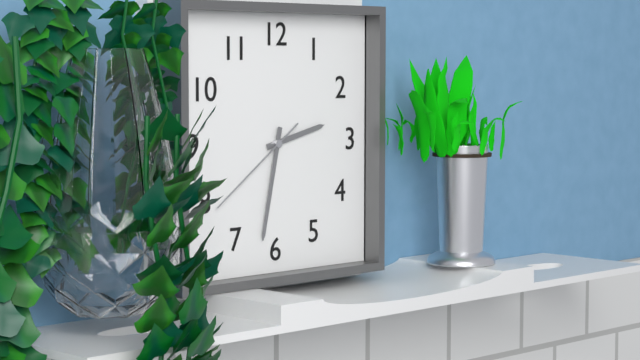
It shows 2,32,39
